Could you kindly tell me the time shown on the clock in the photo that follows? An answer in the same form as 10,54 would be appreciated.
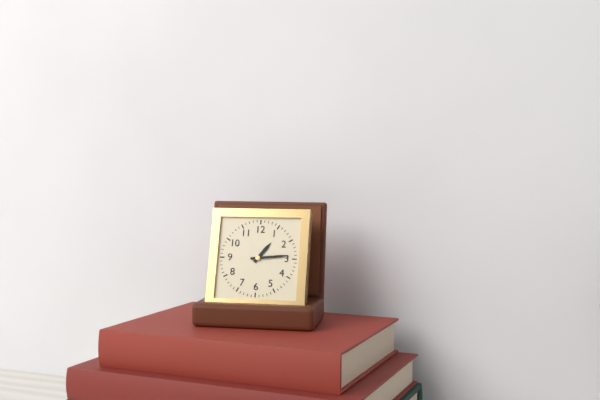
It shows 1,14
